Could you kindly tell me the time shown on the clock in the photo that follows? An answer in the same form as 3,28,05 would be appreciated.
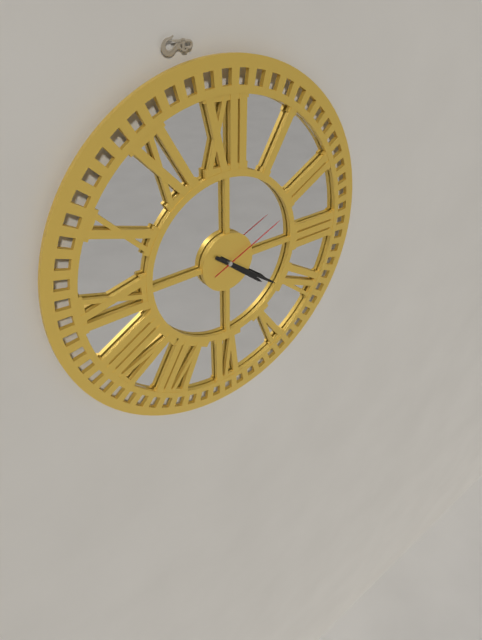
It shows 4,21,11
